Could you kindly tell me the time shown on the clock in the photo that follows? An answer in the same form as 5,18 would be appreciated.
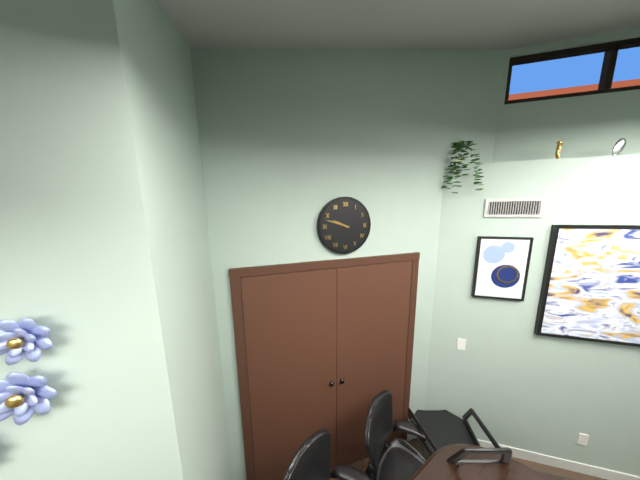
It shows 9,48
